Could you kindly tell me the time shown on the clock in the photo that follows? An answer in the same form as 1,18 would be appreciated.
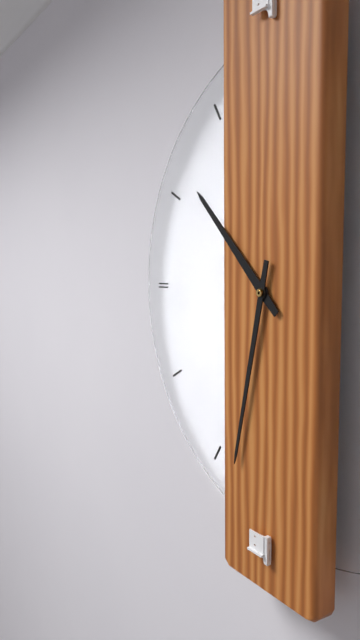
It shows 10,32
